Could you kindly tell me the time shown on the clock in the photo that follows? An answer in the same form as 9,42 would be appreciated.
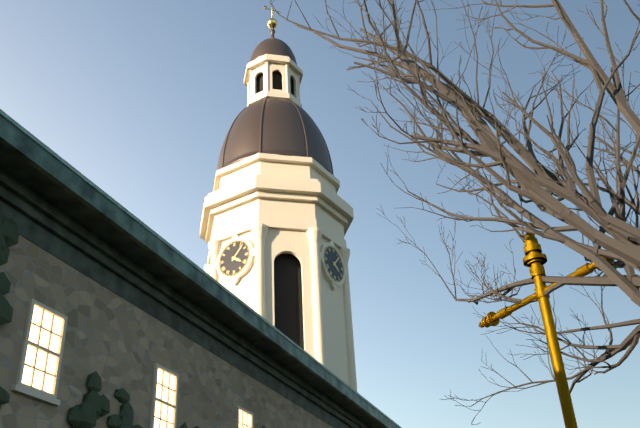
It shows 4,07
